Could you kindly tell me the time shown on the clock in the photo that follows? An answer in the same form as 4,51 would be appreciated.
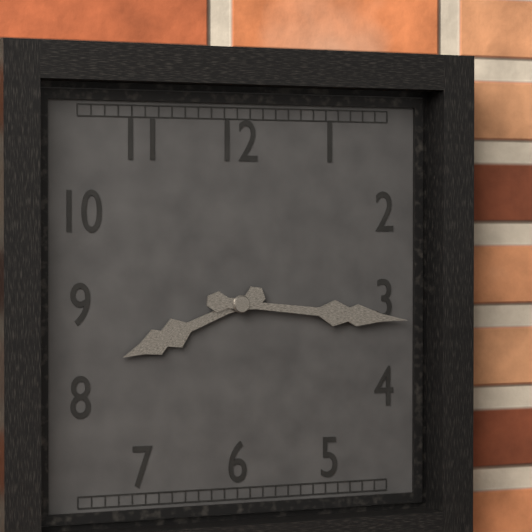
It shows 8,16
